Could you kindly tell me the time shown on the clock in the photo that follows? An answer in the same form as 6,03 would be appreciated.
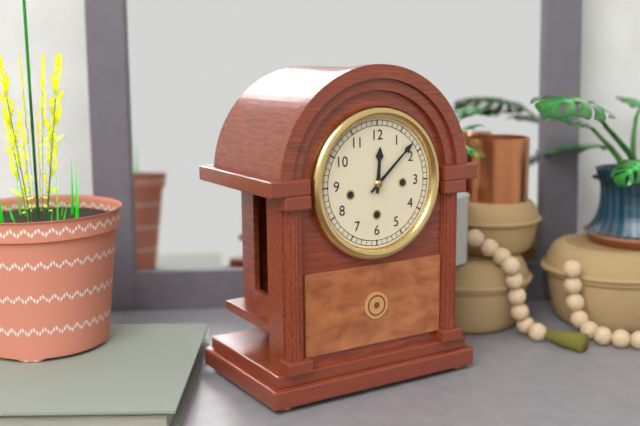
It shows 12,08
